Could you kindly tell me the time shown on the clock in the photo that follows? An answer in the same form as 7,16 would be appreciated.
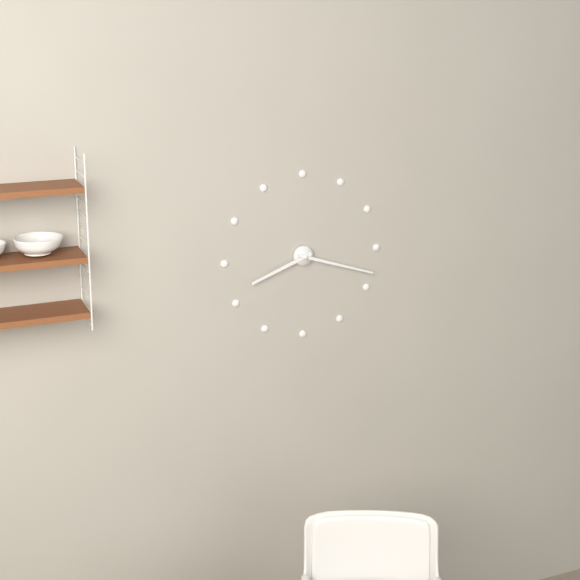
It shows 8,18
